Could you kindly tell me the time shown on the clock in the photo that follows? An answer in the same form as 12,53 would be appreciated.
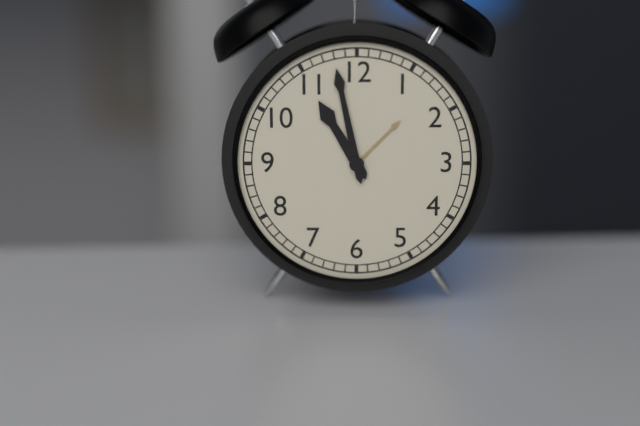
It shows 10,58
